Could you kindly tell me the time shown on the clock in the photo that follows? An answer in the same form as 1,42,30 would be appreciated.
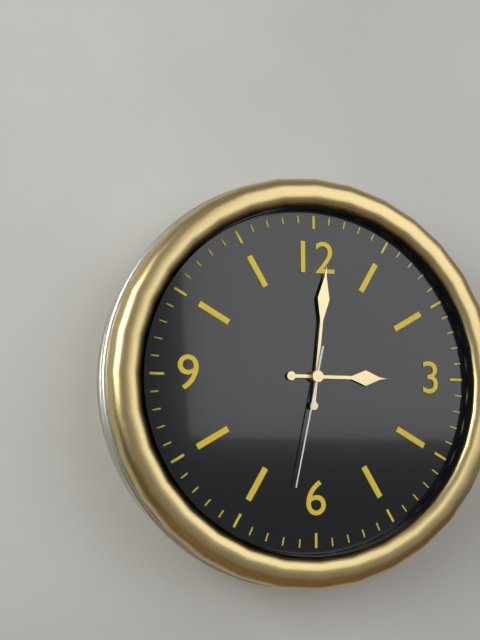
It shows 3,01,32
